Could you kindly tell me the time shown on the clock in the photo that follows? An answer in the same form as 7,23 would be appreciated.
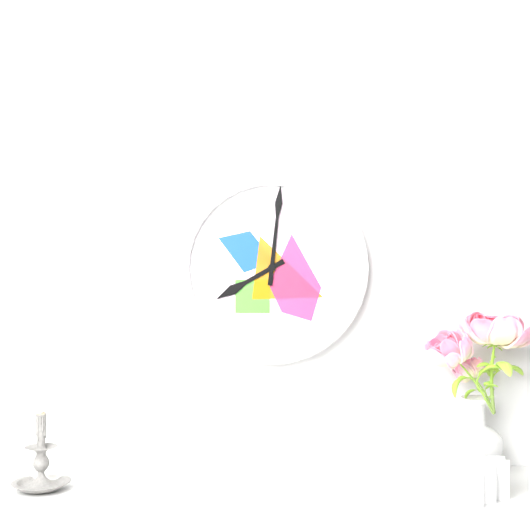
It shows 8,01
